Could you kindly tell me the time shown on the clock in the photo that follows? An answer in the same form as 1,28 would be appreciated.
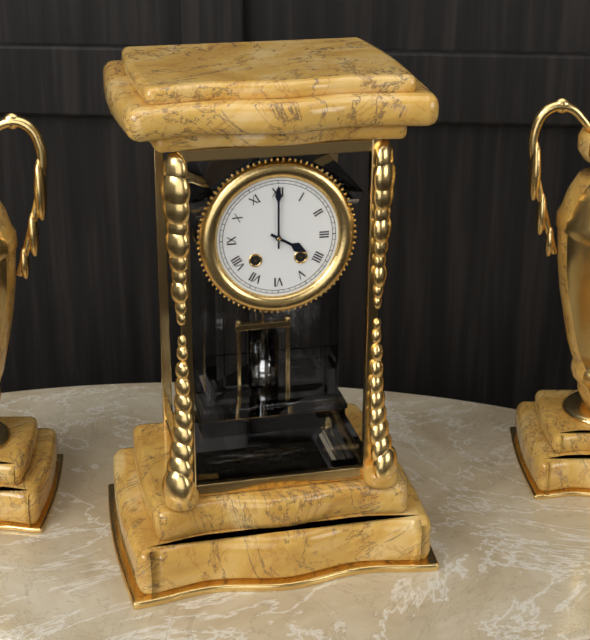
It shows 4,00
